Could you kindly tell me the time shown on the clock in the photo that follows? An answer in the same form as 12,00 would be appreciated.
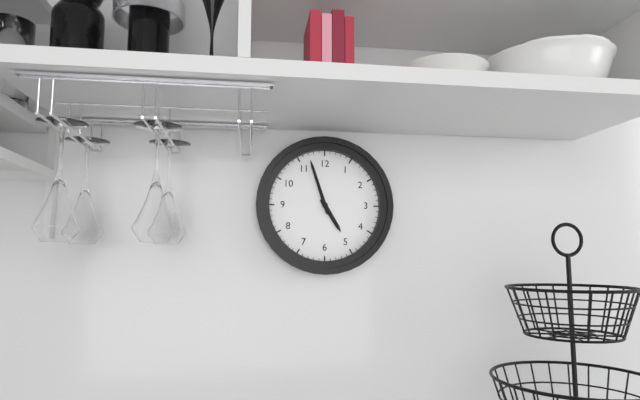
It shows 4,57
